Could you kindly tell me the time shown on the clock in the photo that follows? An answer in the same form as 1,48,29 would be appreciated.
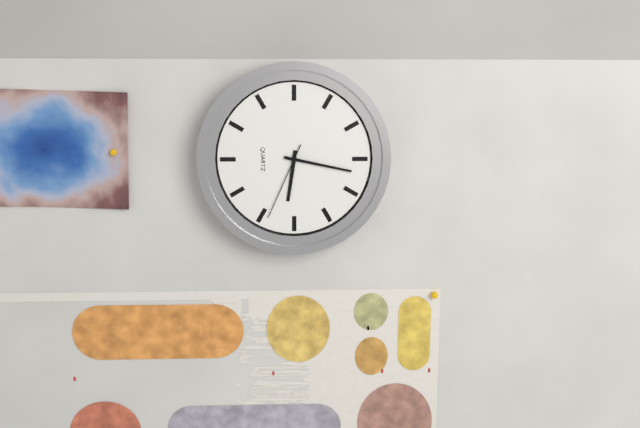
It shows 6,17,34
